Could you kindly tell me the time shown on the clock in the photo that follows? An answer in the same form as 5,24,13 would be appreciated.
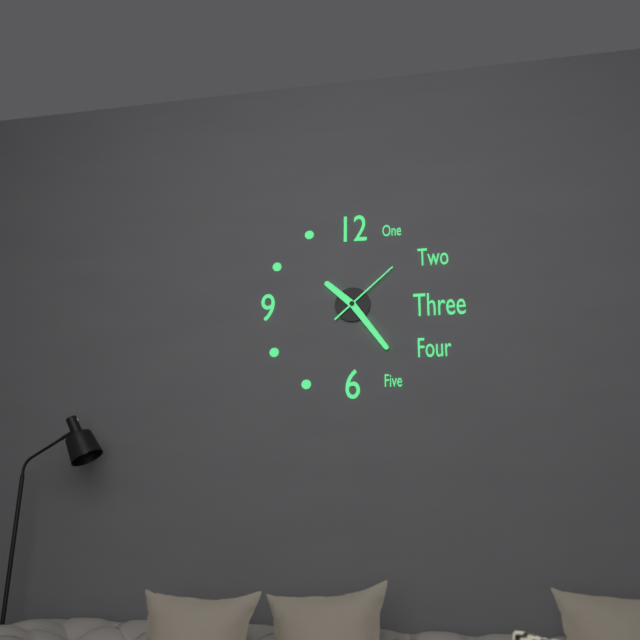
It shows 10,24,08
